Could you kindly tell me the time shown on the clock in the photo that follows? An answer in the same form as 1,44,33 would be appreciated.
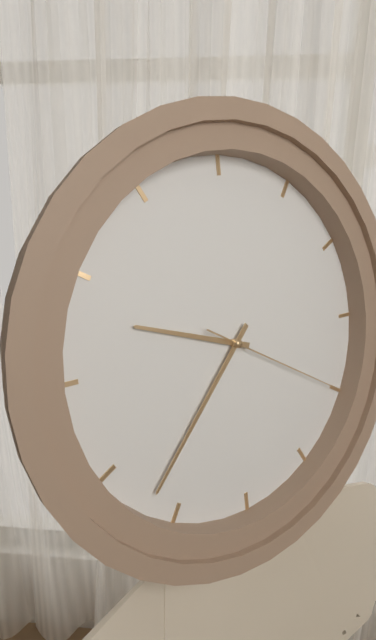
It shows 9,37,20
